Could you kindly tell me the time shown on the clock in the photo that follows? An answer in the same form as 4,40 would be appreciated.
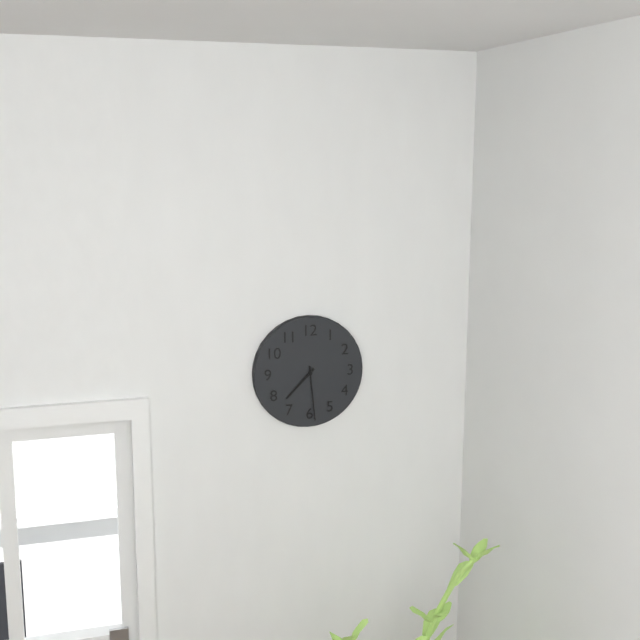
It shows 7,29
